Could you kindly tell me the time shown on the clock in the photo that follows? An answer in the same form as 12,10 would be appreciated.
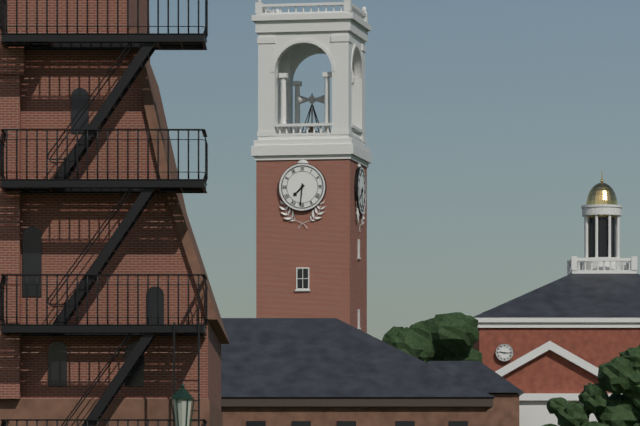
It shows 7,31
